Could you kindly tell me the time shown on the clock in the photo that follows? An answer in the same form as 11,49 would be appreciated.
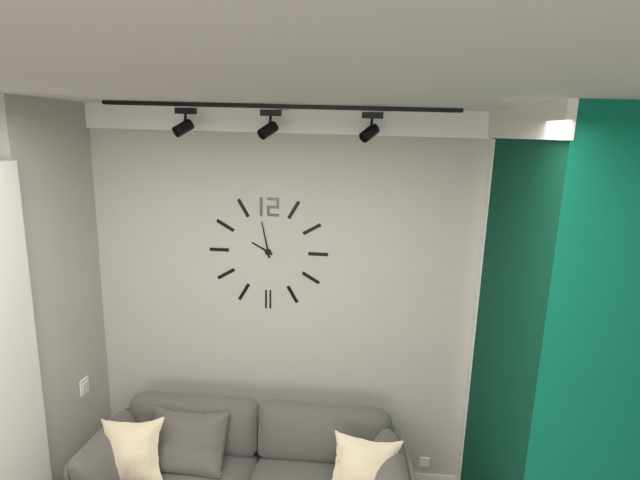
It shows 9,58
